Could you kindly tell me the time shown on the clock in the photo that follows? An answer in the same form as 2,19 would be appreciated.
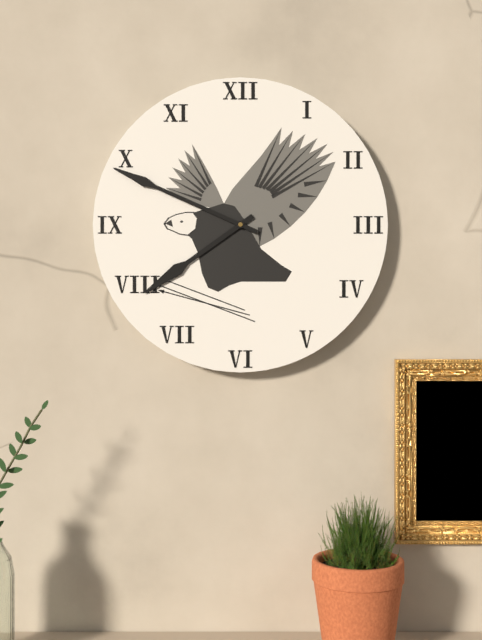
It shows 7,49
